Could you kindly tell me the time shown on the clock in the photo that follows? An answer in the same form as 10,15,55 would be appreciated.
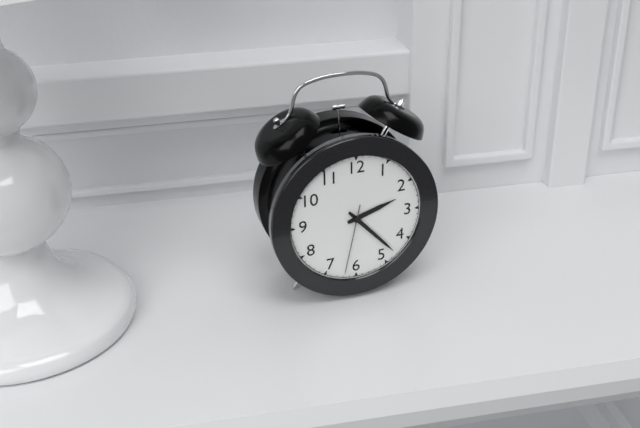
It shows 2,23,32
